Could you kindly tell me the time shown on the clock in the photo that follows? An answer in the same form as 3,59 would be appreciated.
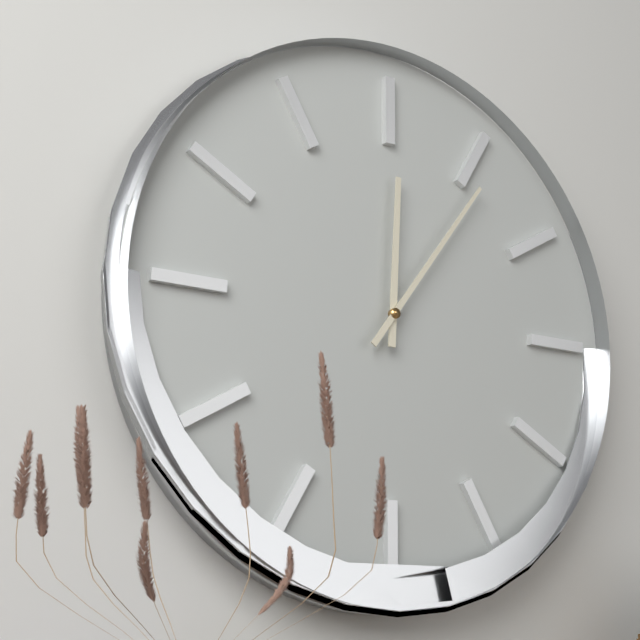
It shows 12,06
